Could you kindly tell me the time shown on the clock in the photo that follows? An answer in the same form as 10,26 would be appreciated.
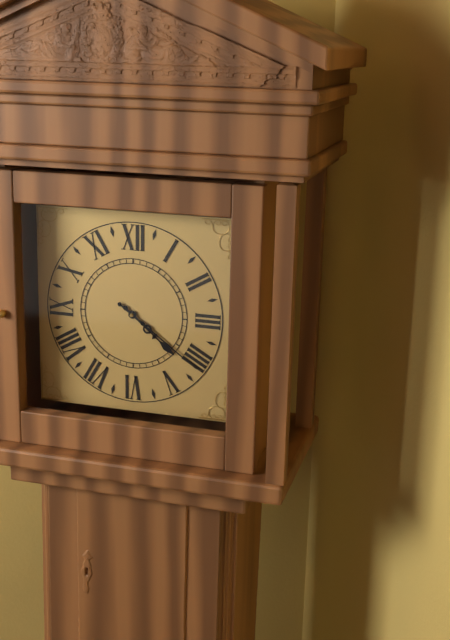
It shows 4,21
